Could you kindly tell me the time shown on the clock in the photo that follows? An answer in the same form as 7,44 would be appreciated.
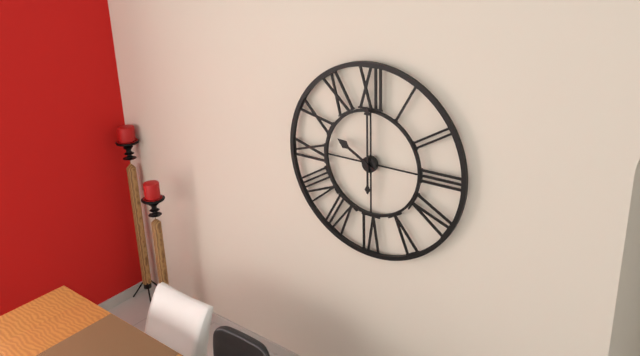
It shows 10,00
